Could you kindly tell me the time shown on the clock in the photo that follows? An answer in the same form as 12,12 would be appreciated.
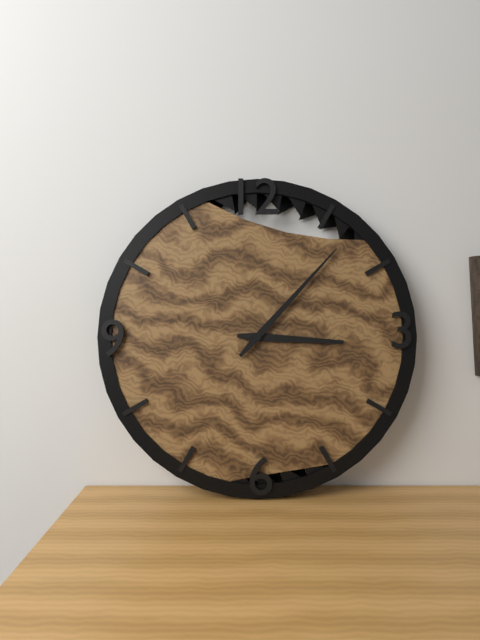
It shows 3,07
